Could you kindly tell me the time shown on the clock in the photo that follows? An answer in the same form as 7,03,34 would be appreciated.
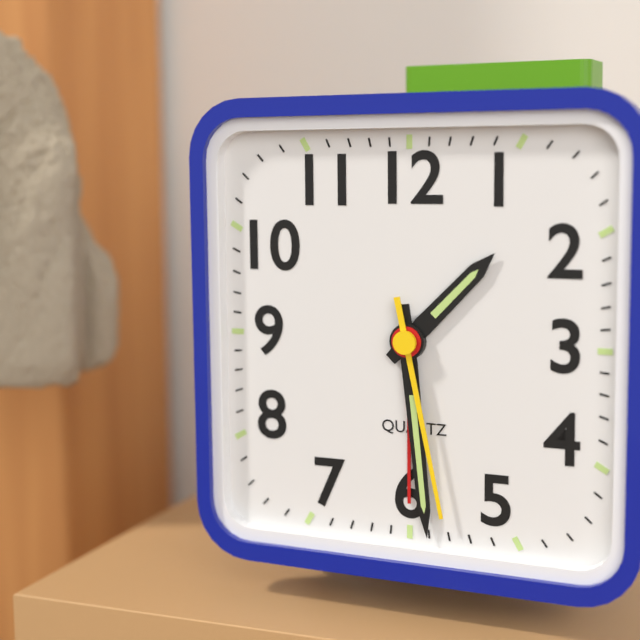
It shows 1,29,28
